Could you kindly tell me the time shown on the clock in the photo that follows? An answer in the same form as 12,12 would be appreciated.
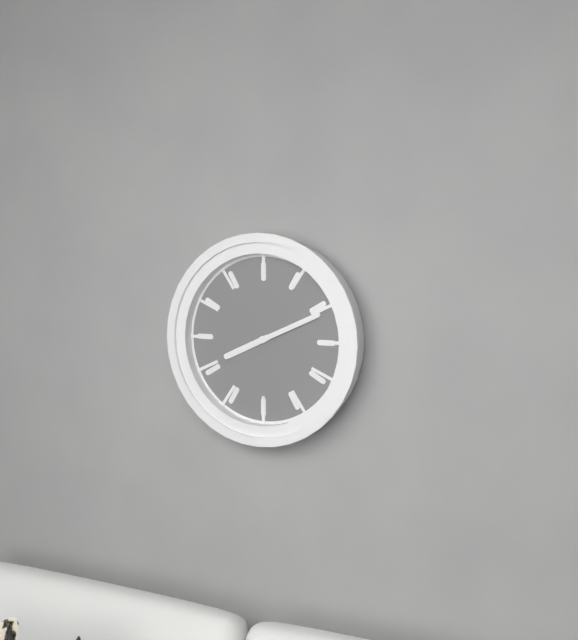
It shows 8,11
